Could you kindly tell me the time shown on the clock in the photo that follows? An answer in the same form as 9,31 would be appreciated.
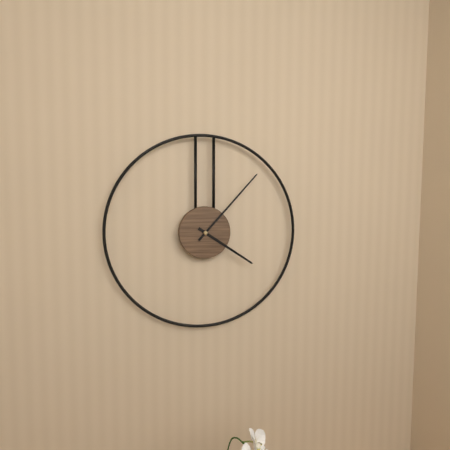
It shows 4,07
